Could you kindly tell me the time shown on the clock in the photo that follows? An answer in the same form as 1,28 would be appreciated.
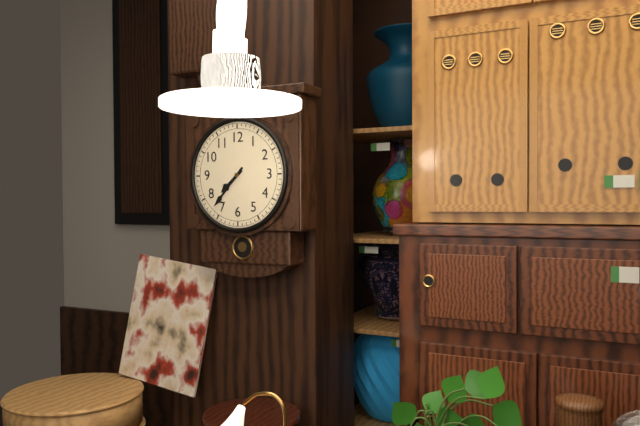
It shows 7,37
